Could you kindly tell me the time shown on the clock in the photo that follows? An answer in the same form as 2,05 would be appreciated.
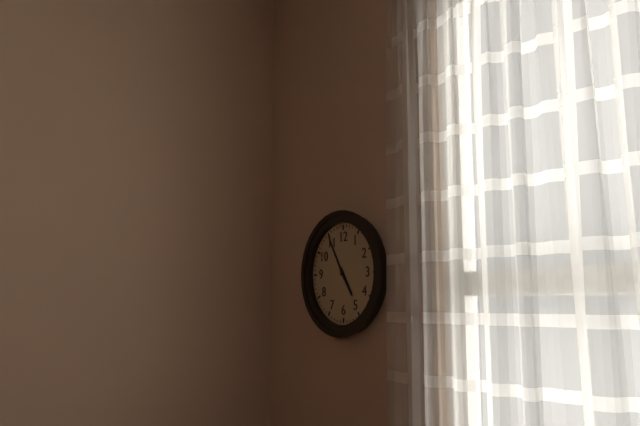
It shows 4,55
